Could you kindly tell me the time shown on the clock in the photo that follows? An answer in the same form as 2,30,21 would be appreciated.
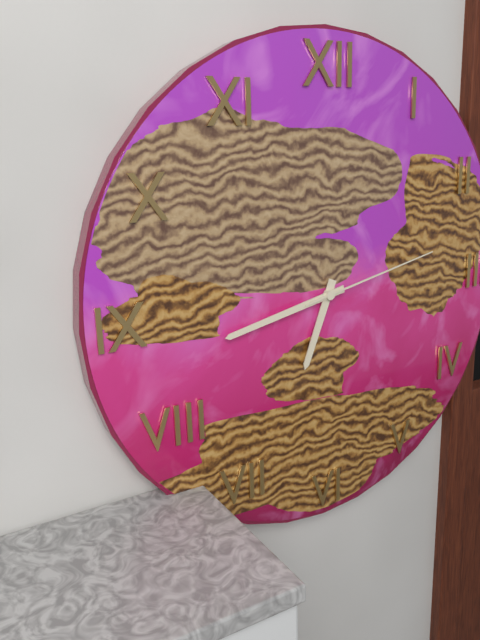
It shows 6,43,13
